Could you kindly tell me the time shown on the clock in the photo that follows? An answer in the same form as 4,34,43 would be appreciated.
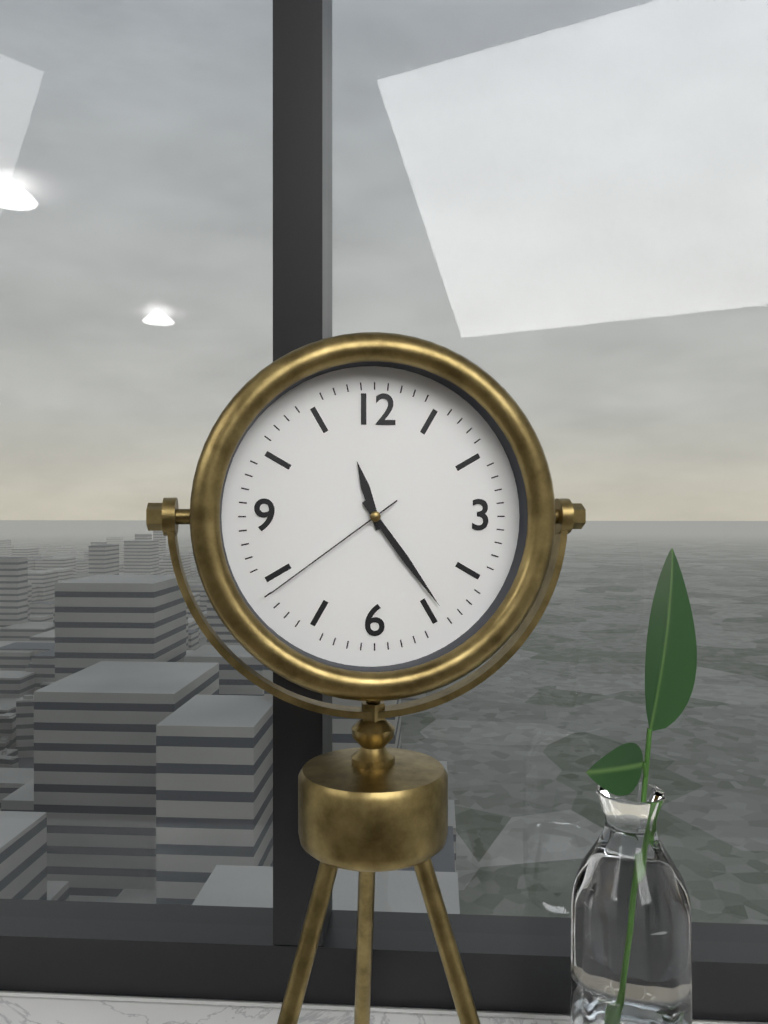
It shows 11,24,39
